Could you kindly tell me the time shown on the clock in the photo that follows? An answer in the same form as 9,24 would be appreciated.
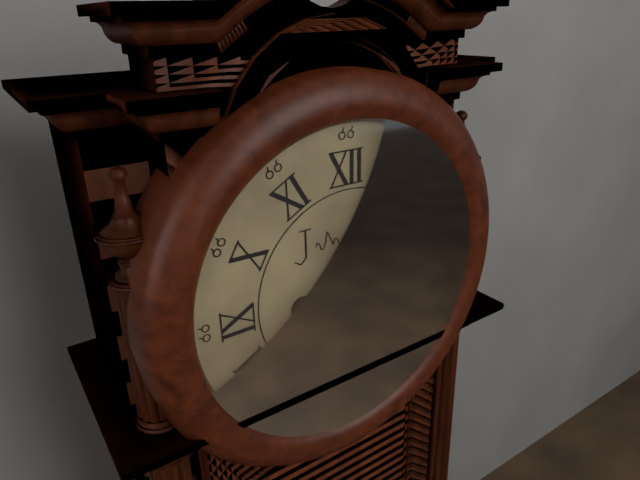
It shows 2,17
